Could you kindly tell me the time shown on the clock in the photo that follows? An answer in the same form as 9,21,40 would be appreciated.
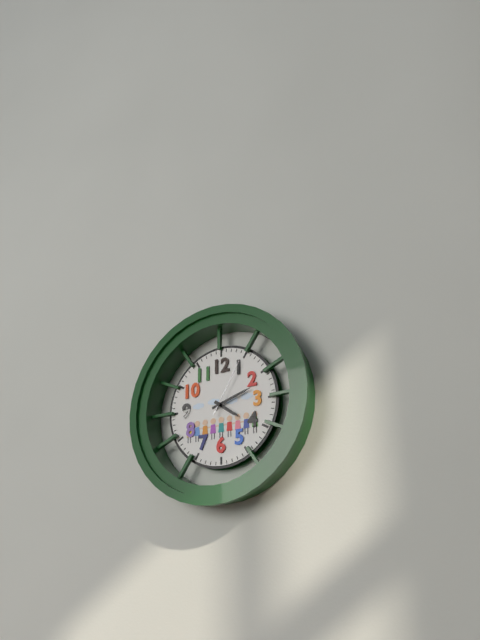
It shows 4,12,05
